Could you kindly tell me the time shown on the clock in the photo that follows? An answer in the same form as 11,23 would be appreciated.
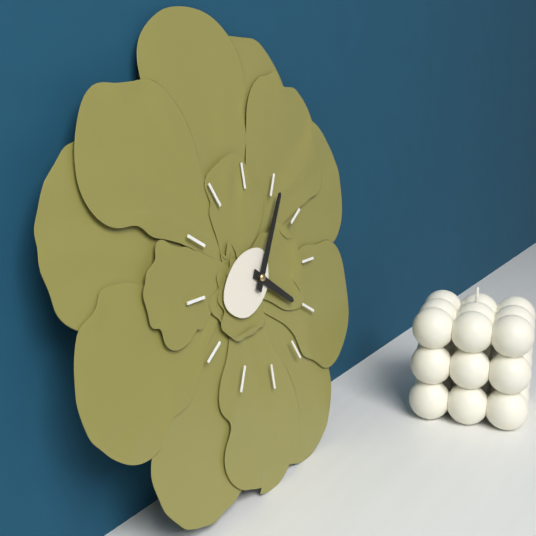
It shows 4,06
